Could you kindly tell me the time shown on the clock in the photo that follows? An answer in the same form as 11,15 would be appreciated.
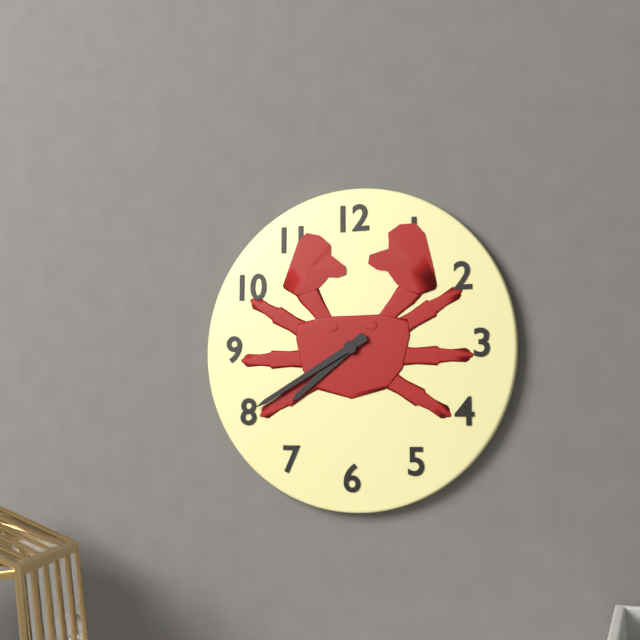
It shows 7,40
